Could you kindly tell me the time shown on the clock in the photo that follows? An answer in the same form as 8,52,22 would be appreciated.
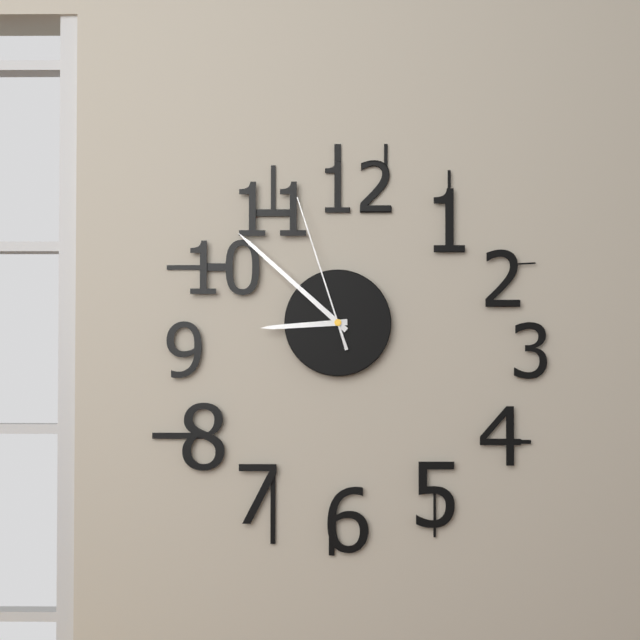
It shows 8,52,57
